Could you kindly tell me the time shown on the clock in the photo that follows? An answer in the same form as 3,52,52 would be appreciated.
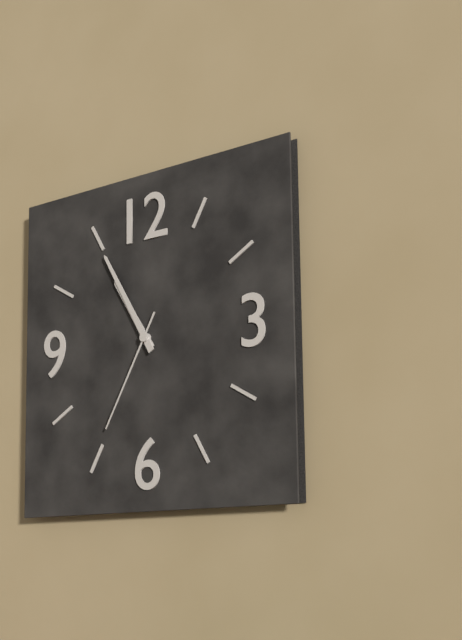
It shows 10,55,35
